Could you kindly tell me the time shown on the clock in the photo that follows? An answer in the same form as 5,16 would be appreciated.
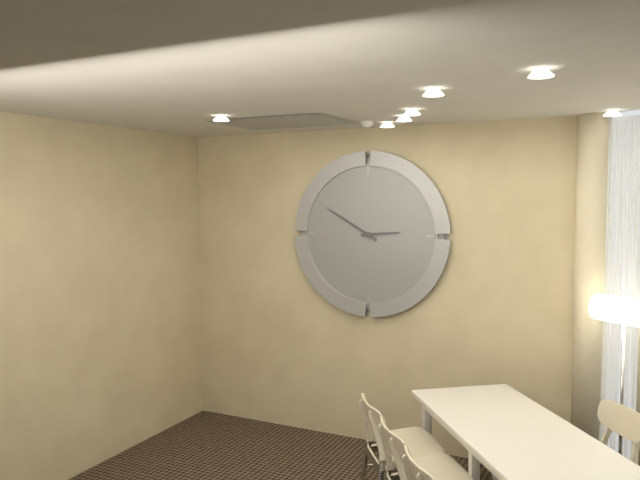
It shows 2,50
